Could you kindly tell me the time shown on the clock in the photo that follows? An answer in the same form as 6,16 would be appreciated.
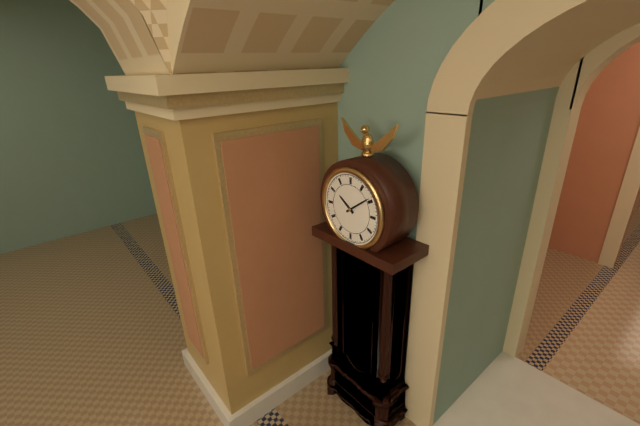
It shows 10,09
